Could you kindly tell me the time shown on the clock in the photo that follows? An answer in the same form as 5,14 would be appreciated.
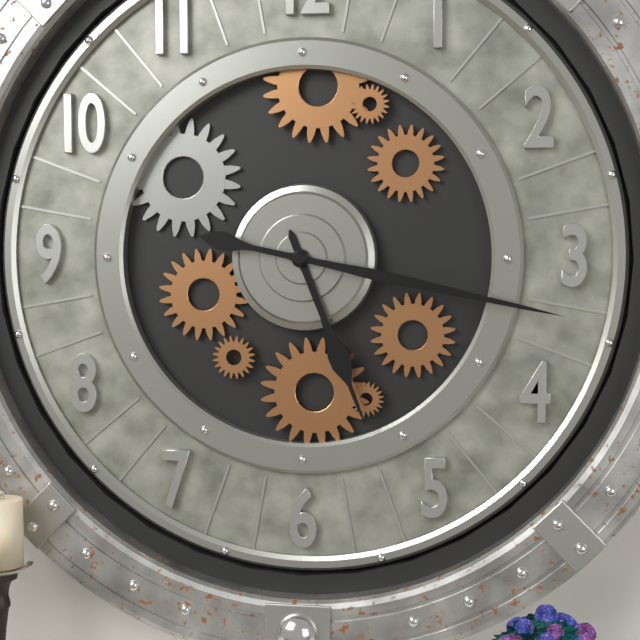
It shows 5,17
